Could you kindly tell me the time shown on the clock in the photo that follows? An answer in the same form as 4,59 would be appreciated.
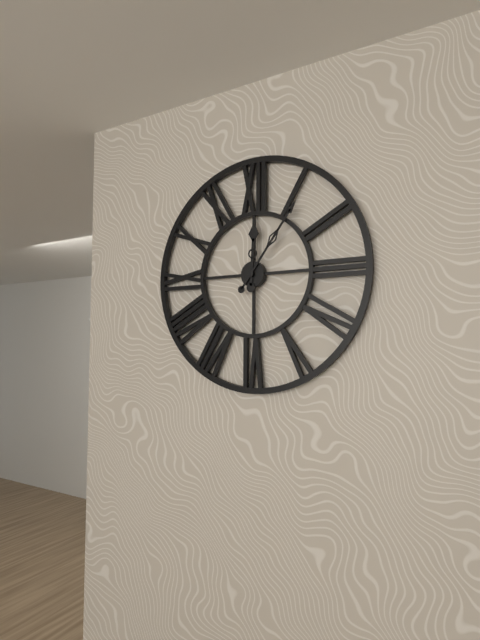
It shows 12,06
